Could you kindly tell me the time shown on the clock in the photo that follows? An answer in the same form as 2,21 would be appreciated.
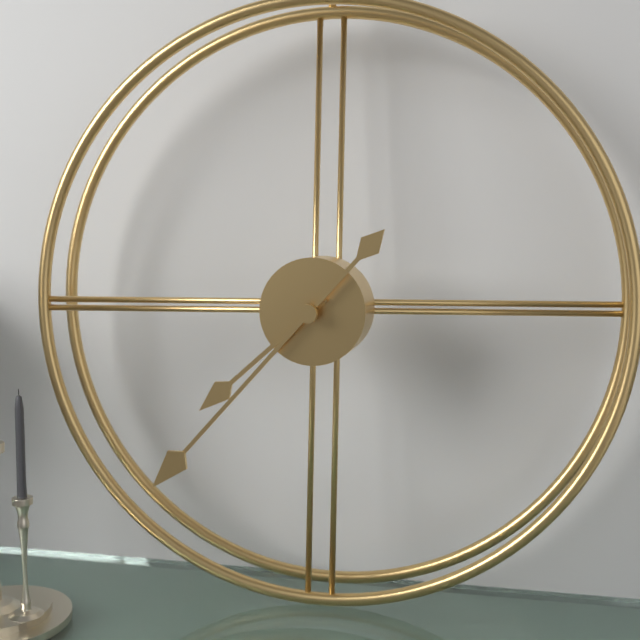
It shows 7,37
